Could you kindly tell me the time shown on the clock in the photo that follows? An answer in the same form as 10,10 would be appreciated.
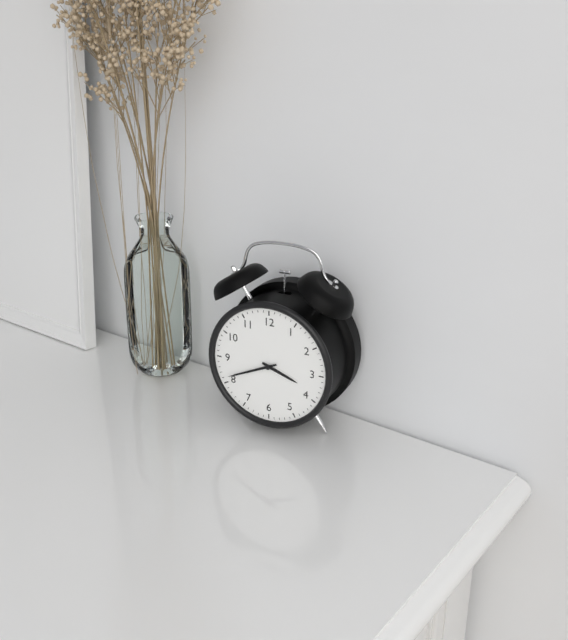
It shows 3,41
